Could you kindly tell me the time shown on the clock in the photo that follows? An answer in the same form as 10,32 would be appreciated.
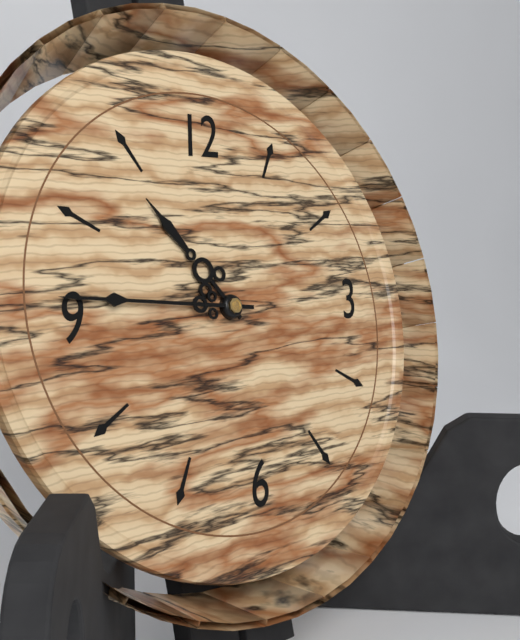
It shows 10,46
